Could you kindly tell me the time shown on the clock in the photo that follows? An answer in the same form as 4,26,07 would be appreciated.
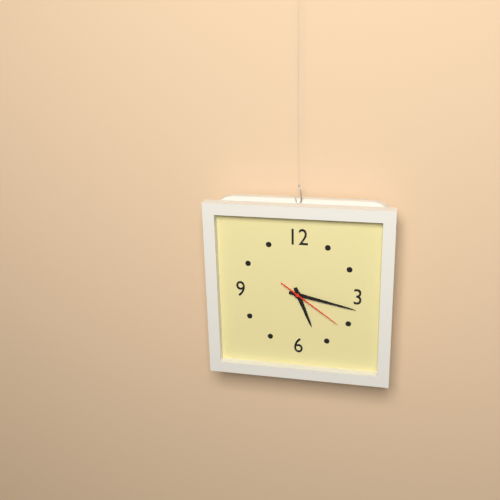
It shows 5,17,21
